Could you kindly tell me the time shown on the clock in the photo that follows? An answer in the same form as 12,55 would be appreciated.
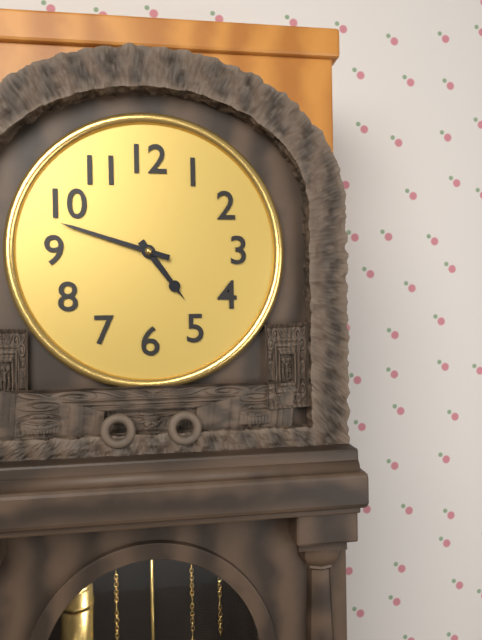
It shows 4,48
